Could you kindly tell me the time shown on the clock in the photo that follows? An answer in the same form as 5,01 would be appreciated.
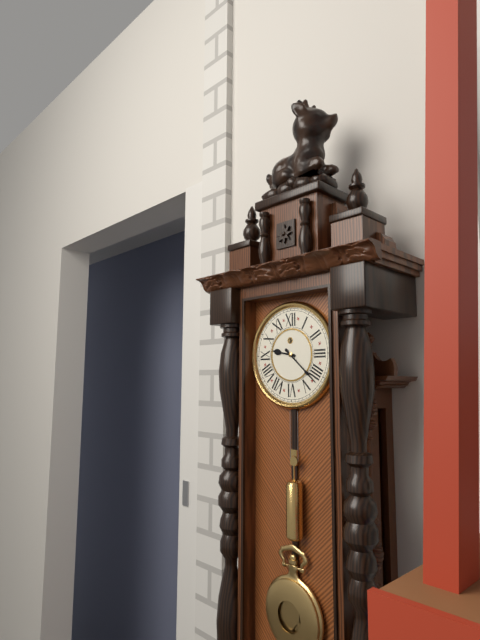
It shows 9,22
